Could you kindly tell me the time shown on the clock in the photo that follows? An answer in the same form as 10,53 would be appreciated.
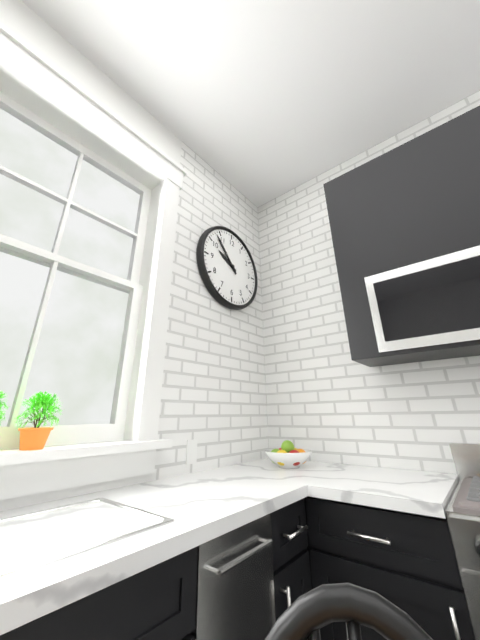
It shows 9,53
